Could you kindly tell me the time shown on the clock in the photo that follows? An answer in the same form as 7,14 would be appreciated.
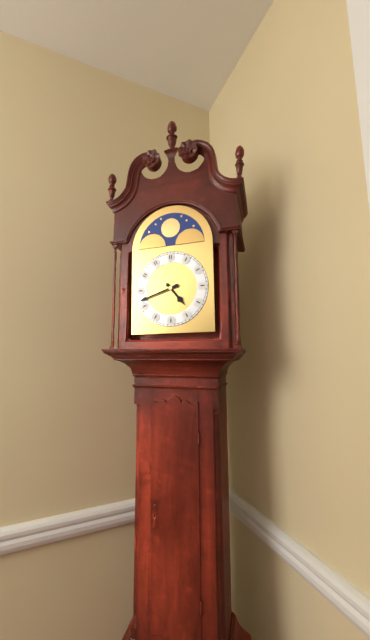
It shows 4,42
